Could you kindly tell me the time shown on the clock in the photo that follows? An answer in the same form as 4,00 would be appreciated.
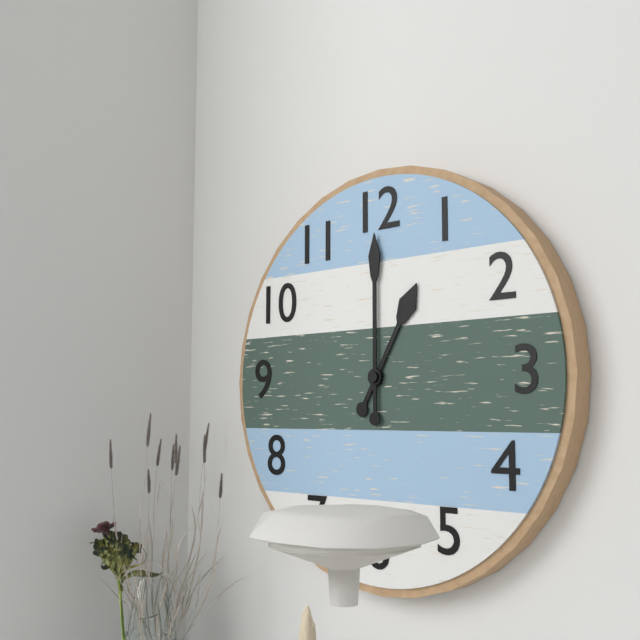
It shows 1,00
